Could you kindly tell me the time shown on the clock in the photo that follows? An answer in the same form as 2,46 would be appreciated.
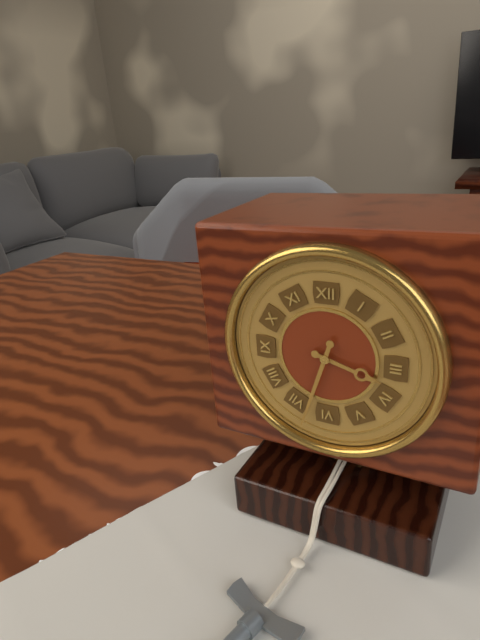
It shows 3,33
